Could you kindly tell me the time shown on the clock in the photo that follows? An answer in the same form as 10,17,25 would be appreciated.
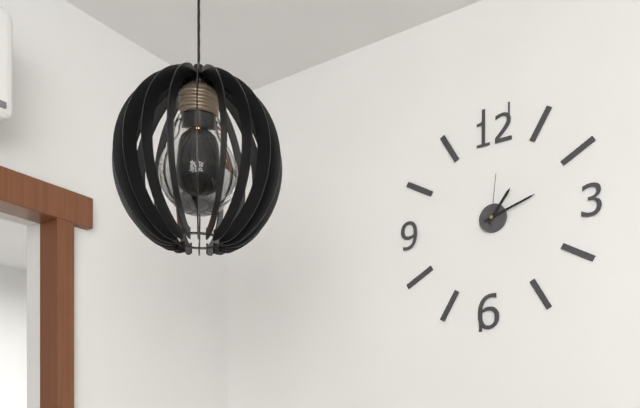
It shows 1,12,01
